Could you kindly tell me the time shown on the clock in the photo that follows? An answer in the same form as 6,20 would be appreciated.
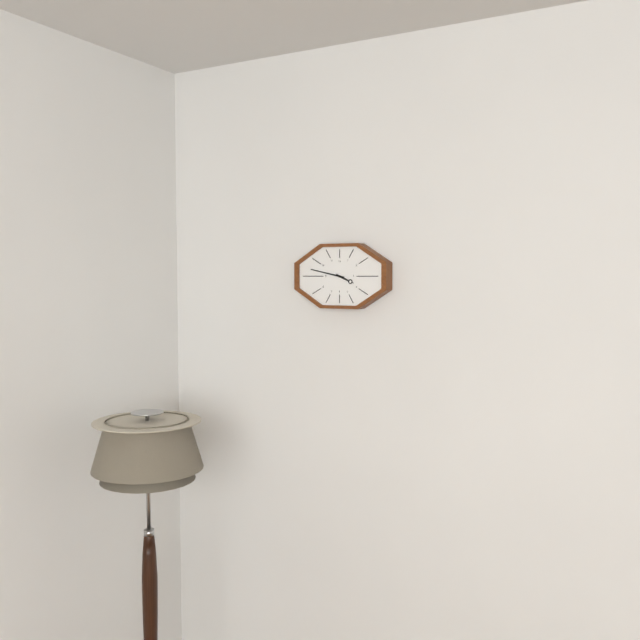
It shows 3,47
